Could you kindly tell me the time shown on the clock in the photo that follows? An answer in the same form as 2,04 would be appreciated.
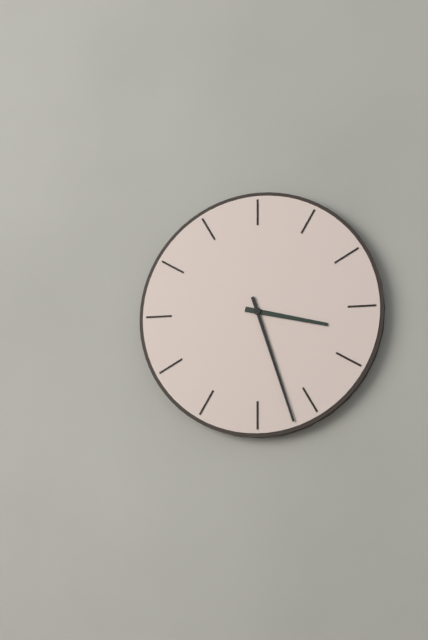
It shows 3,27
